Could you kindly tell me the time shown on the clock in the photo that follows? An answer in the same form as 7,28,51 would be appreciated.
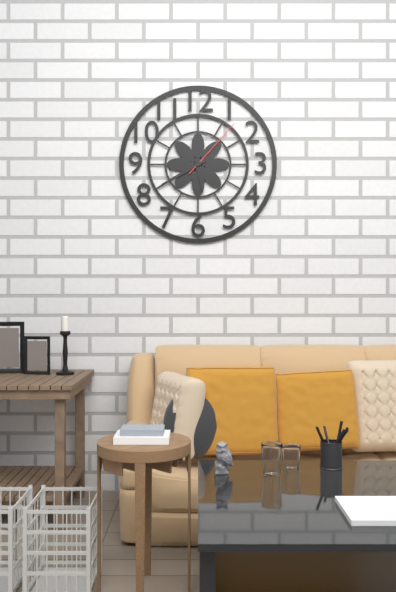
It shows 5,40,07
